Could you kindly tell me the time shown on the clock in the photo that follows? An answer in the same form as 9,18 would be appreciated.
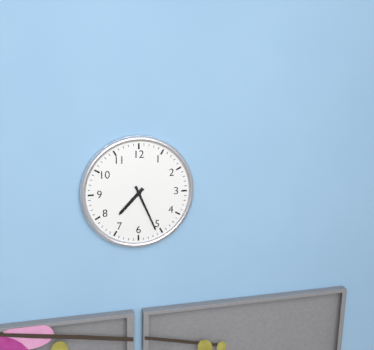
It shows 7,26
